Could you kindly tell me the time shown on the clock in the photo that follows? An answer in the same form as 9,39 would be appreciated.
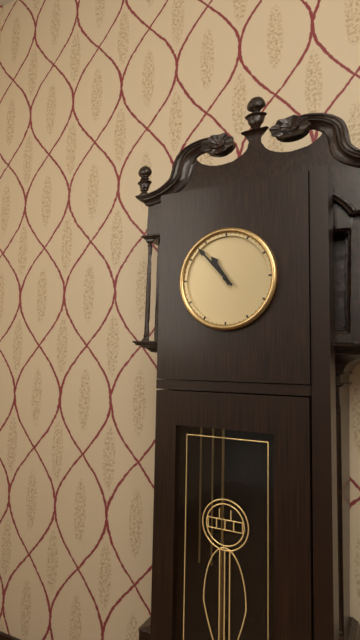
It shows 10,53
